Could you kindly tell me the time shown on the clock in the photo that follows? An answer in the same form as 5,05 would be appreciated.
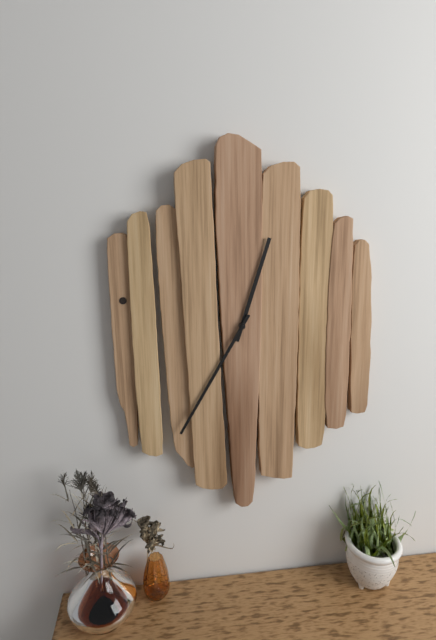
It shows 12,35
